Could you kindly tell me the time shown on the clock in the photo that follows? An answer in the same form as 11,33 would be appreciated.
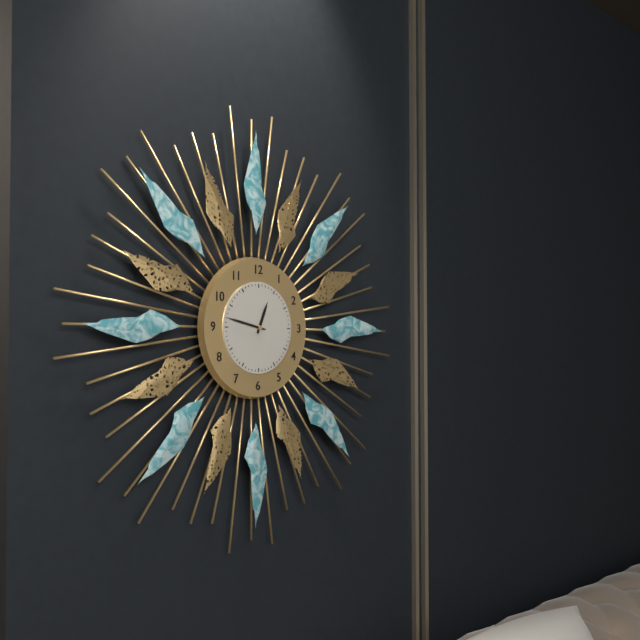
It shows 12,47
